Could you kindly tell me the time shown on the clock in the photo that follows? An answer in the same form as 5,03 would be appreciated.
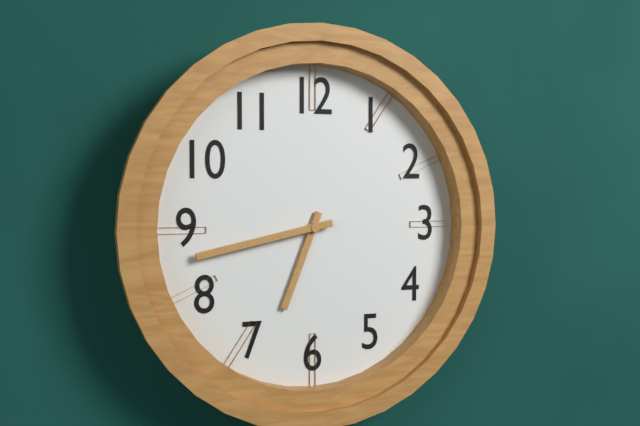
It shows 6,43
